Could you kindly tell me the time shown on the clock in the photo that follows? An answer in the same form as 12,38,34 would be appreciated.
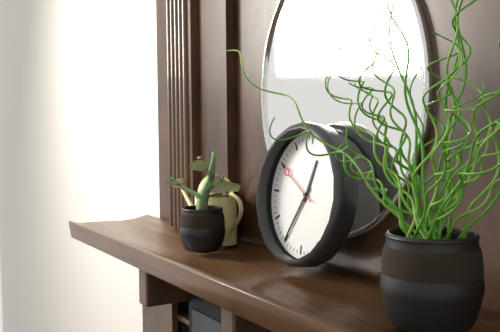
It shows 12,35,50
